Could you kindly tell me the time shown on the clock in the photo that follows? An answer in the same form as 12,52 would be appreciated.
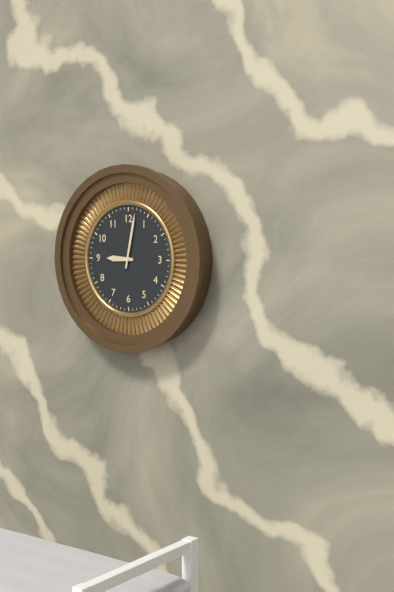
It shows 9,02
